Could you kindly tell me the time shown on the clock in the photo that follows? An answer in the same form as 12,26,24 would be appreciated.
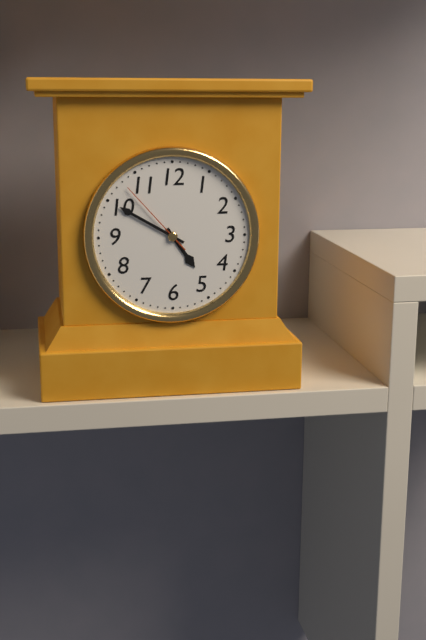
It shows 4,50,53
